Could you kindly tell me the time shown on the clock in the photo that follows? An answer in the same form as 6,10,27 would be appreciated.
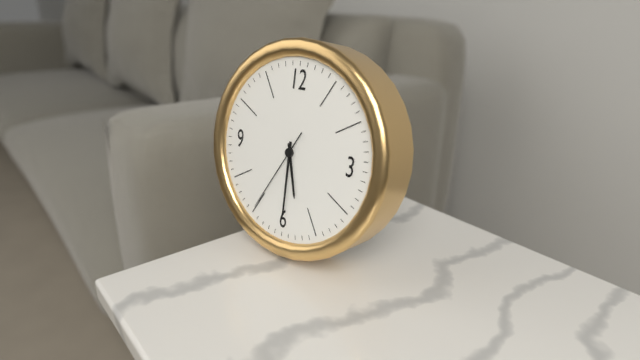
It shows 5,30,35
